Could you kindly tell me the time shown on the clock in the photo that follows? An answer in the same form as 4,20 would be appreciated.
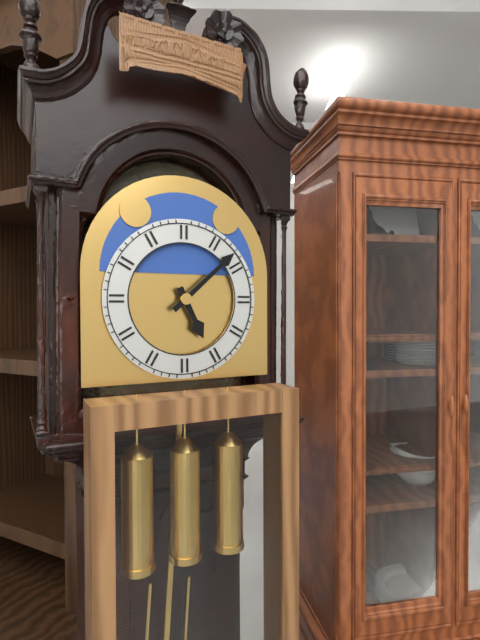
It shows 5,08
